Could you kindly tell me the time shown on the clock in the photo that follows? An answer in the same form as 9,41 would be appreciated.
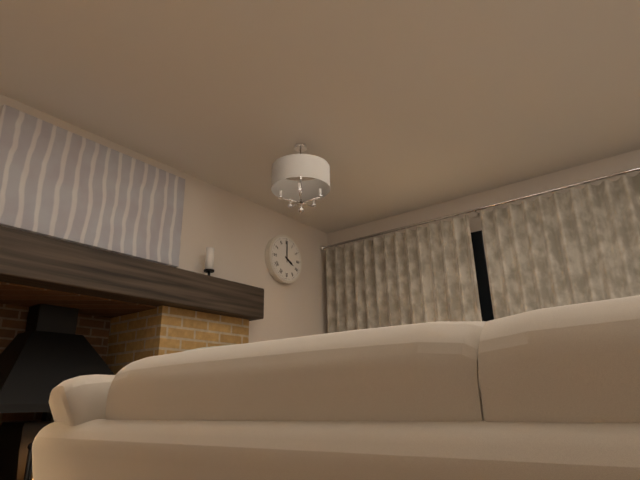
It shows 4,00
